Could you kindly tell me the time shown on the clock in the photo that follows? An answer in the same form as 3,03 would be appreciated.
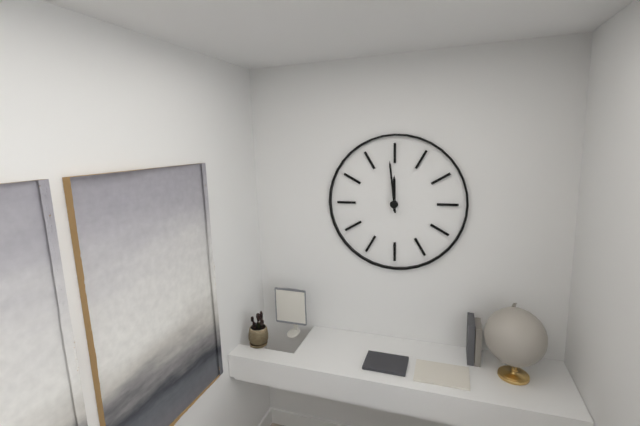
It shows 11,59
